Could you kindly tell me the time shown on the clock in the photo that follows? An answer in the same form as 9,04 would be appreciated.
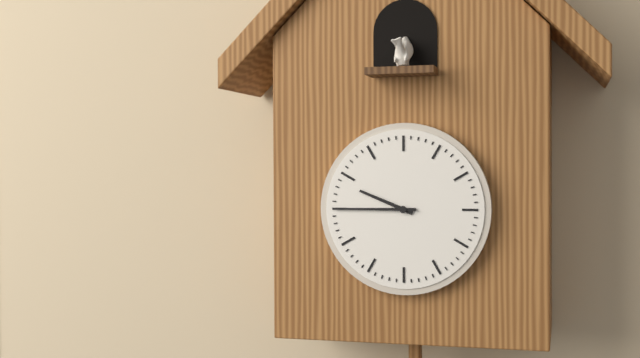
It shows 9,45
